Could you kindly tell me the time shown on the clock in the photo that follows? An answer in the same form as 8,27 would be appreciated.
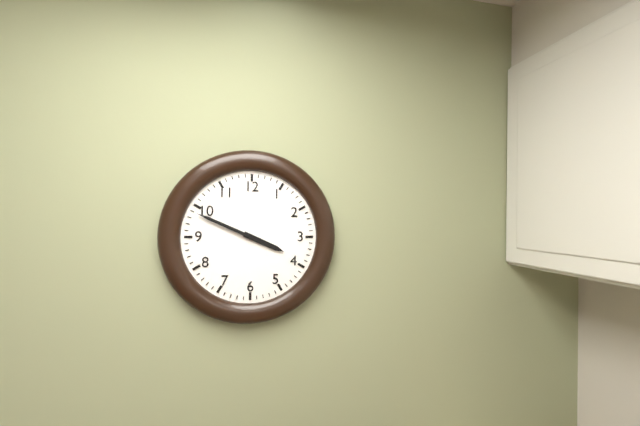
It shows 3,49
